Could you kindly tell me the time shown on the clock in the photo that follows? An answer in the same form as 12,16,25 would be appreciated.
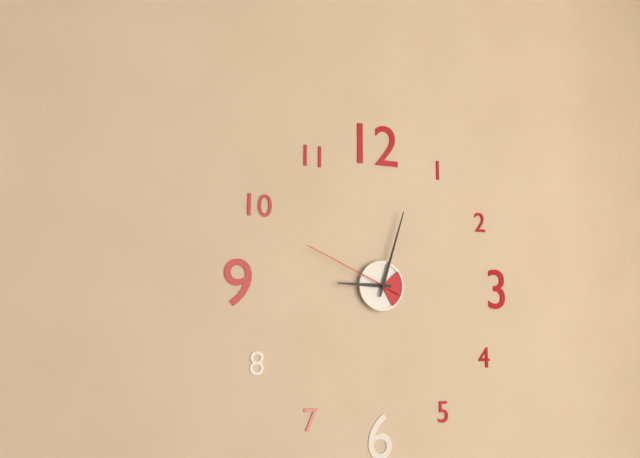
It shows 9,03,49
